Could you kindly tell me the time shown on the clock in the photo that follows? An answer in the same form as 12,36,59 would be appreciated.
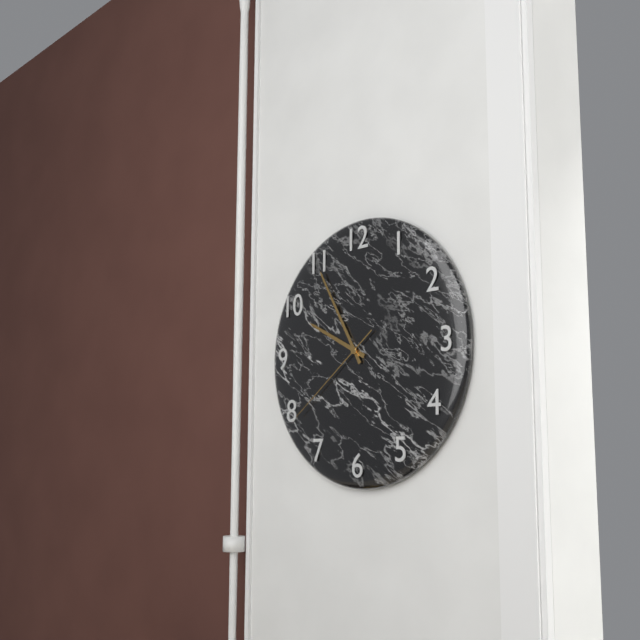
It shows 9,55,39
